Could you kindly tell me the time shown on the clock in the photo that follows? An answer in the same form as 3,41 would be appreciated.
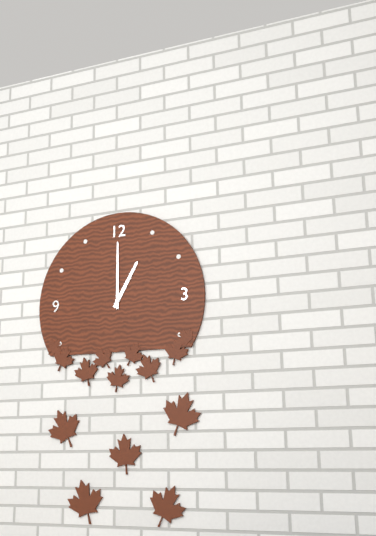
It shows 1,00
